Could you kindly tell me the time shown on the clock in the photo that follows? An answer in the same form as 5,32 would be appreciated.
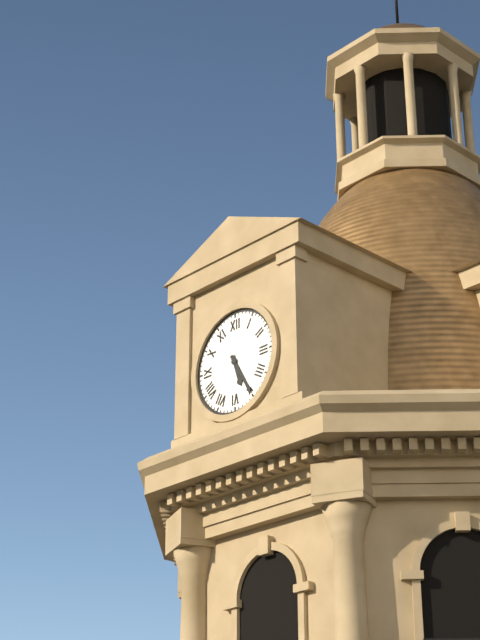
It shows 5,25
